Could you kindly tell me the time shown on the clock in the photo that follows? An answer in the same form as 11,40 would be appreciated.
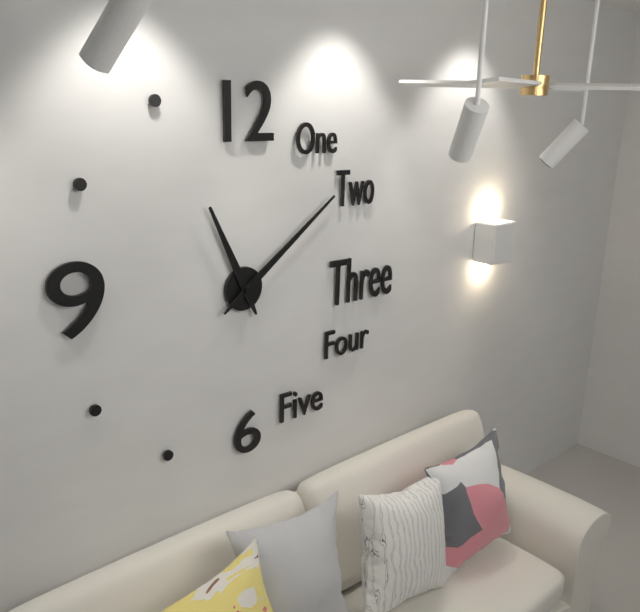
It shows 11,09
